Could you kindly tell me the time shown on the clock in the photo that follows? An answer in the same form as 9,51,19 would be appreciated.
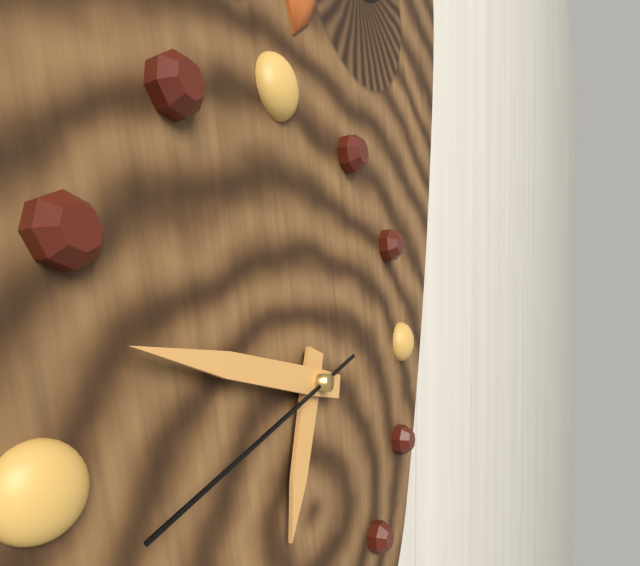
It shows 6,48,43
